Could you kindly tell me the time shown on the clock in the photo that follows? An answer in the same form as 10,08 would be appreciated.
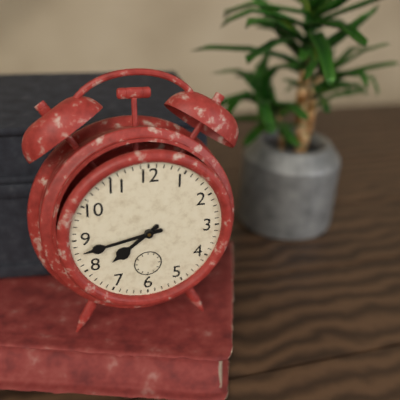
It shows 7,43
